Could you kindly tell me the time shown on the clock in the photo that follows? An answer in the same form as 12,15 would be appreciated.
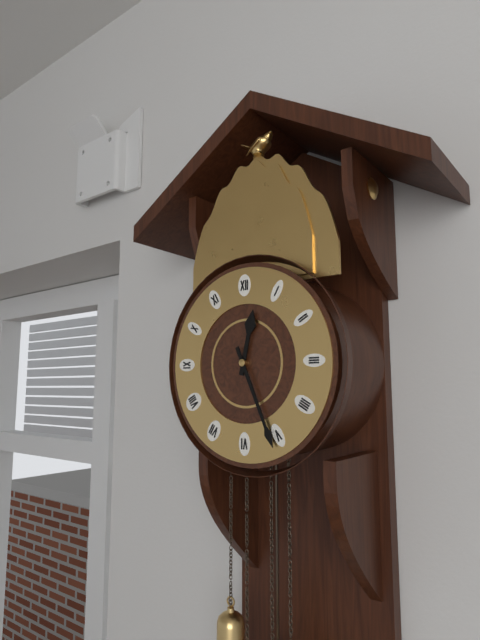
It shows 12,26
